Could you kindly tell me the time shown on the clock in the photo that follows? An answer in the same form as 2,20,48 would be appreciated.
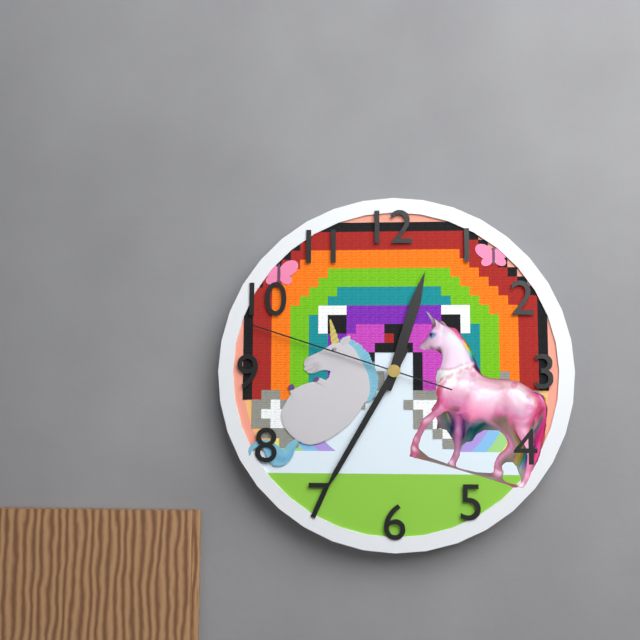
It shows 12,35,48
